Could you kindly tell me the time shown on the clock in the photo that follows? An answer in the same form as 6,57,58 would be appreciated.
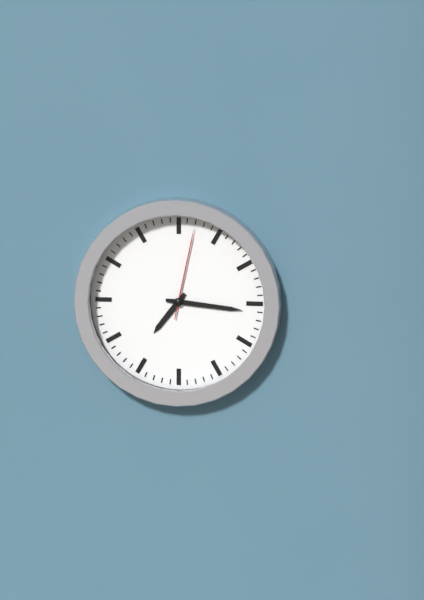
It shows 7,16,02
